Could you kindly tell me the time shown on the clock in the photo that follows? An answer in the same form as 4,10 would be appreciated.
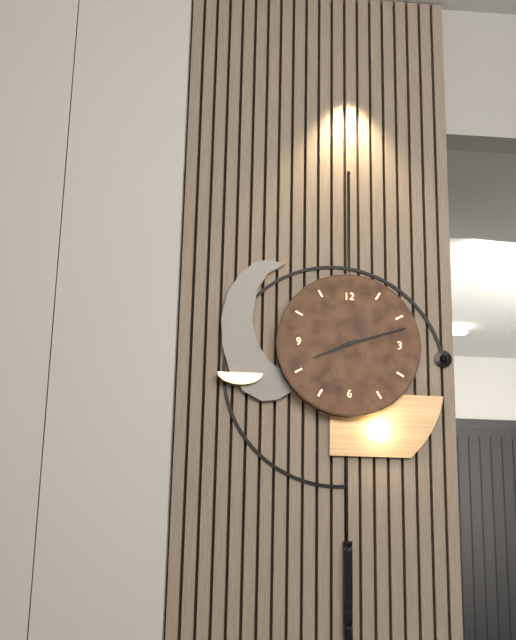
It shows 8,12
